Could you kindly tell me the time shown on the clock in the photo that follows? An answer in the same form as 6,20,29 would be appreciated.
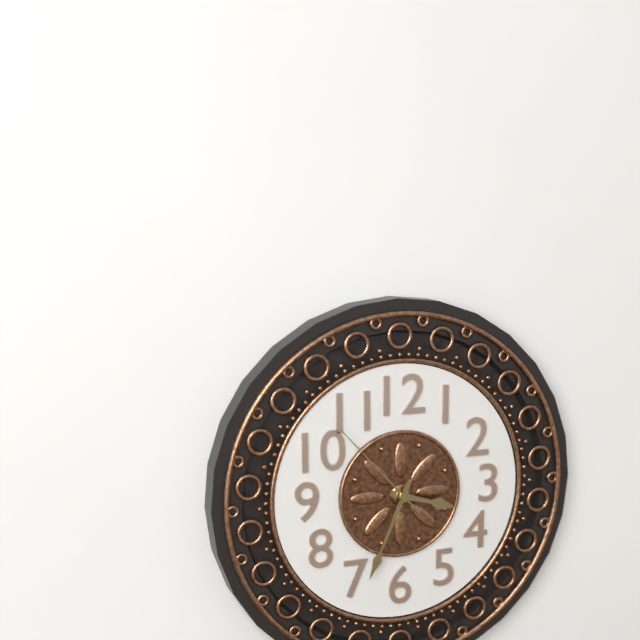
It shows 3,34,53
